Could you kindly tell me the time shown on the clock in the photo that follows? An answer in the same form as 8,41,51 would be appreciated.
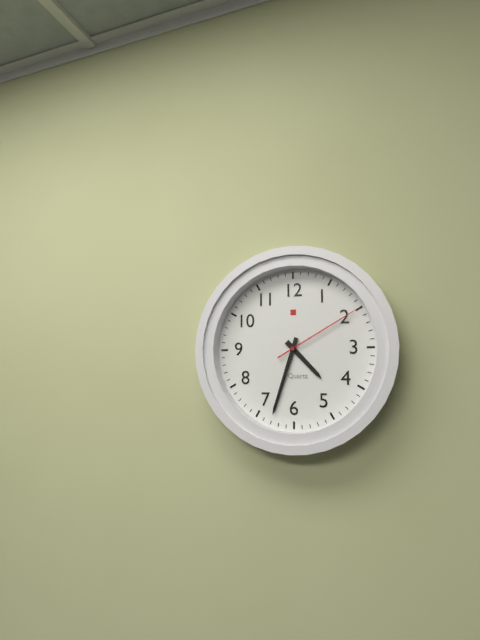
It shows 4,33,10
